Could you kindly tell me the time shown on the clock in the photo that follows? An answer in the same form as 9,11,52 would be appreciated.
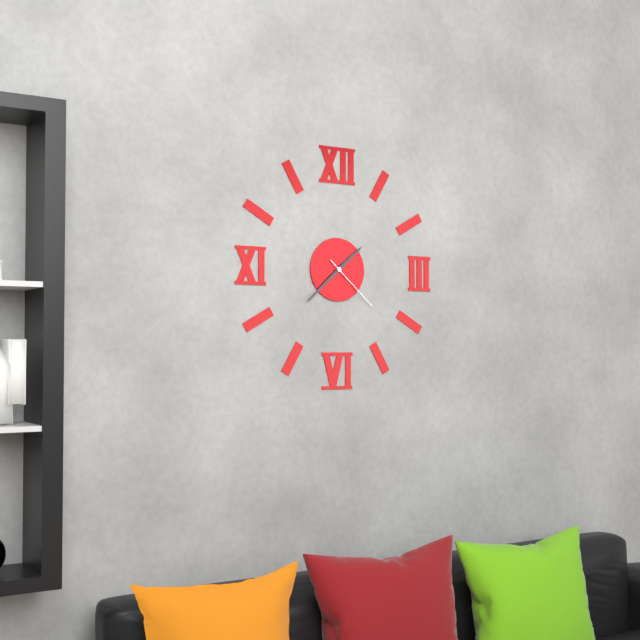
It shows 1,38,22
